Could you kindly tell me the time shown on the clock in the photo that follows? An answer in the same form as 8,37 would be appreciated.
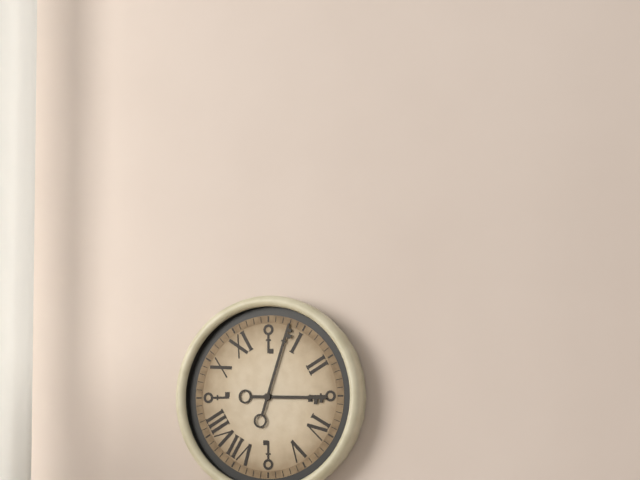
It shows 3,03
